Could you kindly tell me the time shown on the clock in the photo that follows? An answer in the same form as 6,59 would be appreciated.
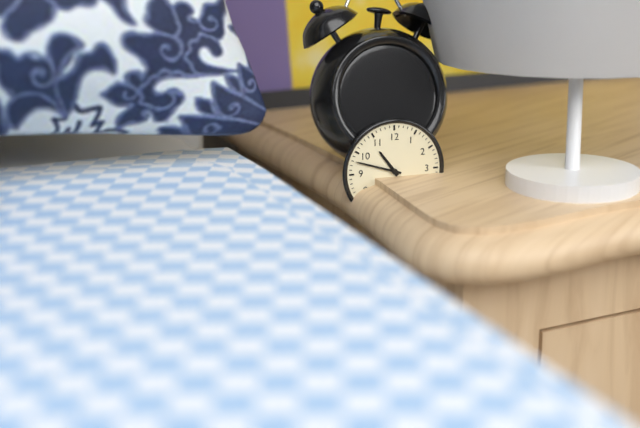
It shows 10,48
